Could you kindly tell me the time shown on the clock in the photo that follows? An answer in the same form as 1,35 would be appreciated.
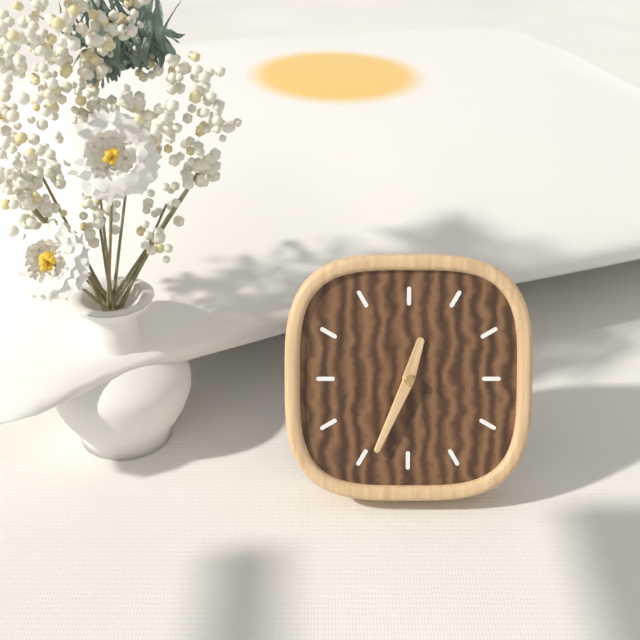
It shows 12,34
